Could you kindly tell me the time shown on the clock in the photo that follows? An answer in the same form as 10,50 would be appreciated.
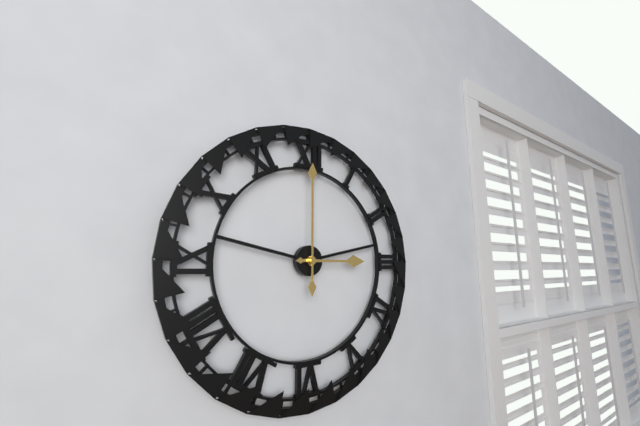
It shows 3,00
